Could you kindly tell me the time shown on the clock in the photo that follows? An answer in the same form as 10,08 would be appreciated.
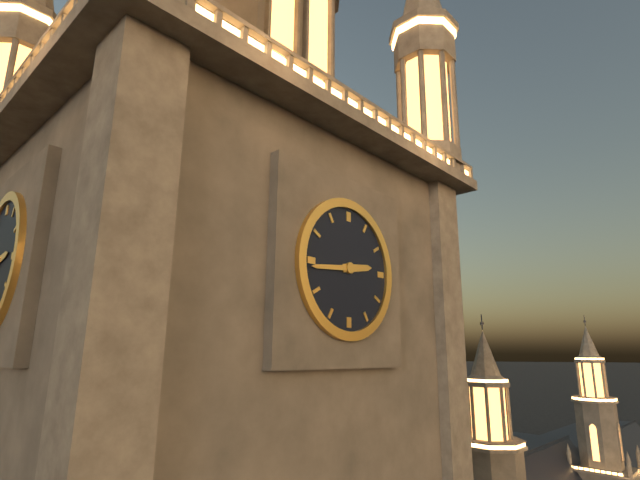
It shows 2,44
